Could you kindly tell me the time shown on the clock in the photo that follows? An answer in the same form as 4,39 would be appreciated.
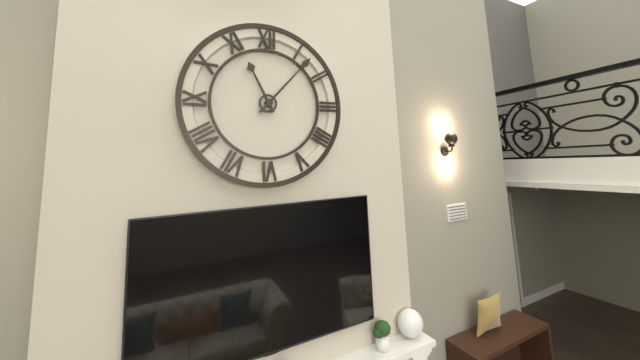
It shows 11,07
